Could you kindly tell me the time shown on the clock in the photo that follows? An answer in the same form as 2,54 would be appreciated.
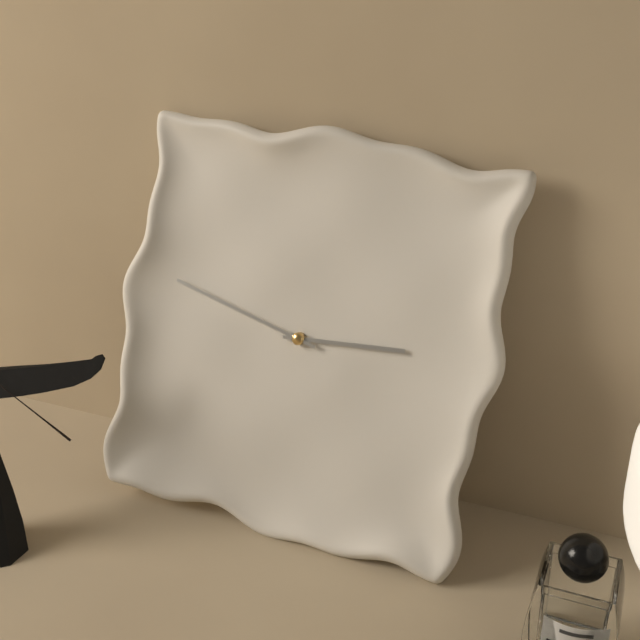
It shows 2,47
